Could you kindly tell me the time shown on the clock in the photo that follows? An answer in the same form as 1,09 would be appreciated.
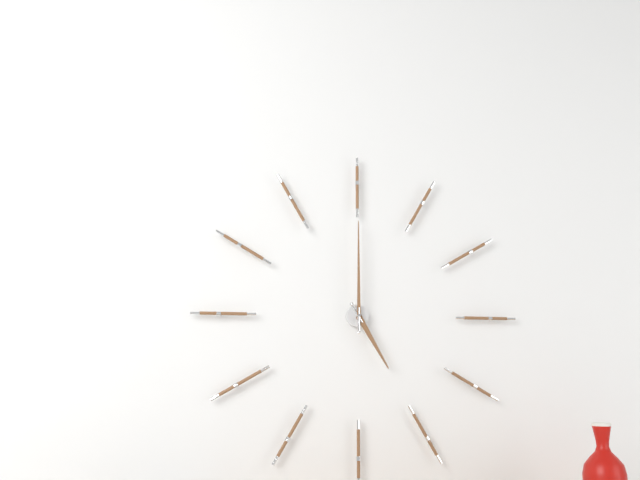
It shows 5,00
